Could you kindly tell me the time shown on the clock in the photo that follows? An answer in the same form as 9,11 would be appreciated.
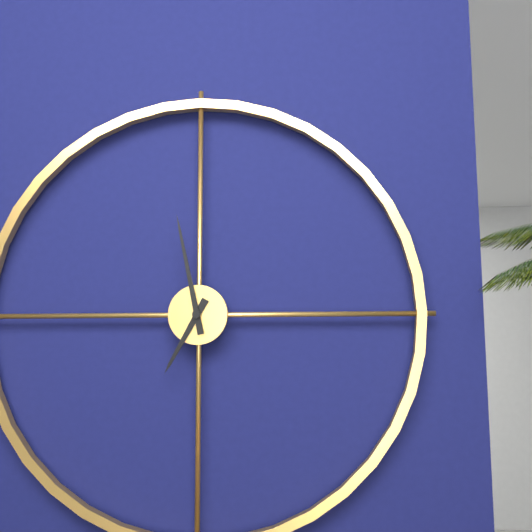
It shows 6,58
